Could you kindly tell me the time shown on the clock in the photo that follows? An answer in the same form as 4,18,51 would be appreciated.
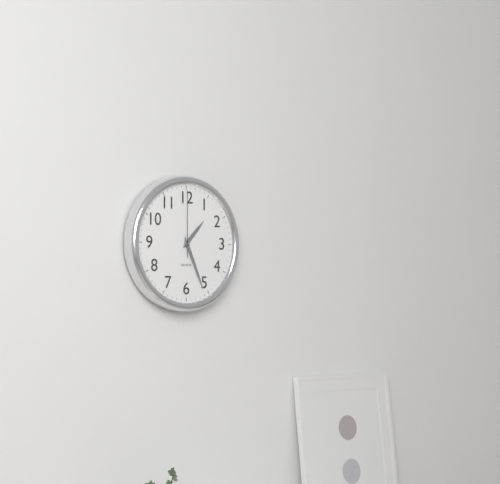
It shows 1,26,00
